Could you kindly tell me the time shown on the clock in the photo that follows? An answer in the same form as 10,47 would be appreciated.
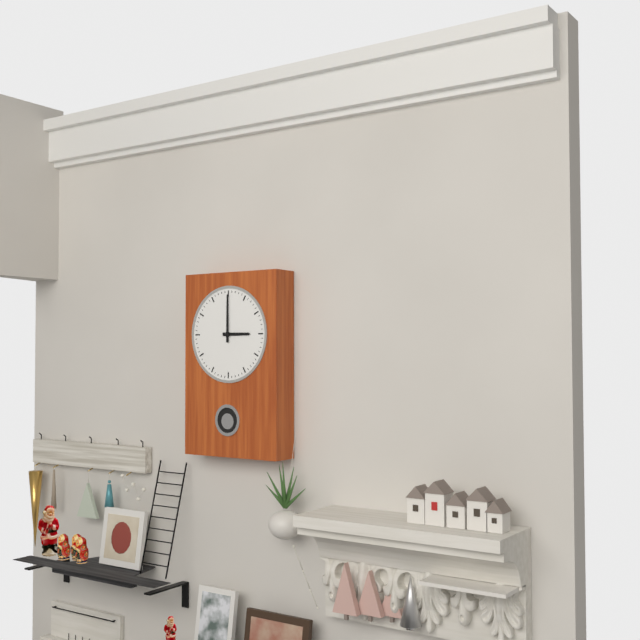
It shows 3,00
